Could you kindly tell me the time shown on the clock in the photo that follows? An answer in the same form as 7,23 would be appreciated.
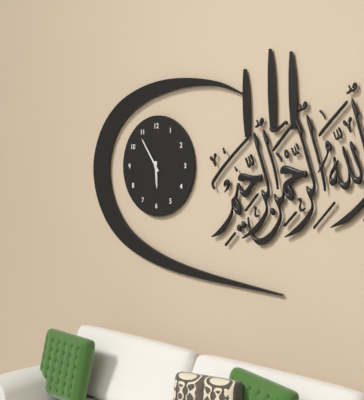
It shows 5,54
